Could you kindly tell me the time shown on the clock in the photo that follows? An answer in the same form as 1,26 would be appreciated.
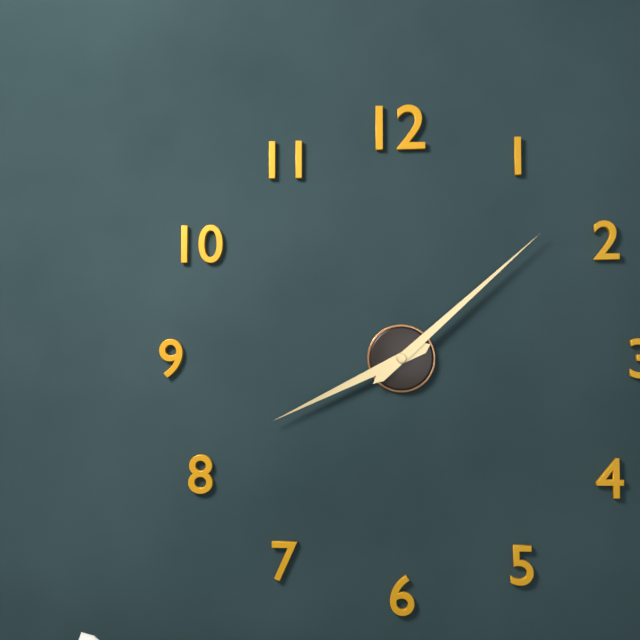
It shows 8,08
